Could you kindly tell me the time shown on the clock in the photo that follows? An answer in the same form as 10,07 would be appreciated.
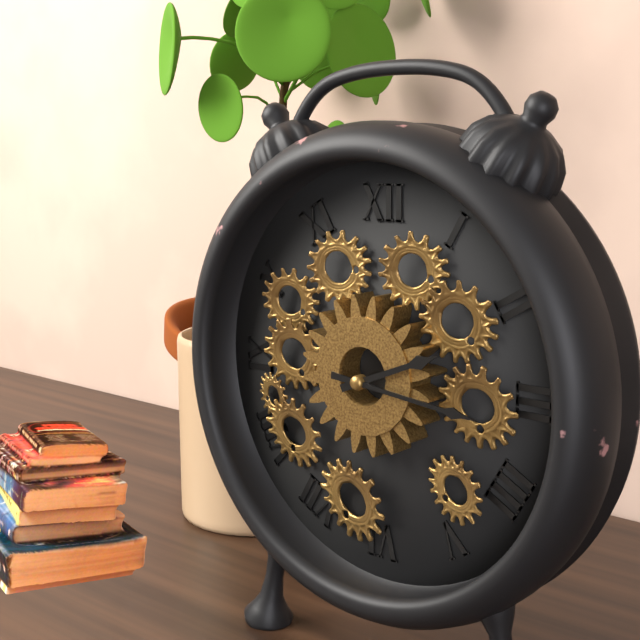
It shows 2,16
